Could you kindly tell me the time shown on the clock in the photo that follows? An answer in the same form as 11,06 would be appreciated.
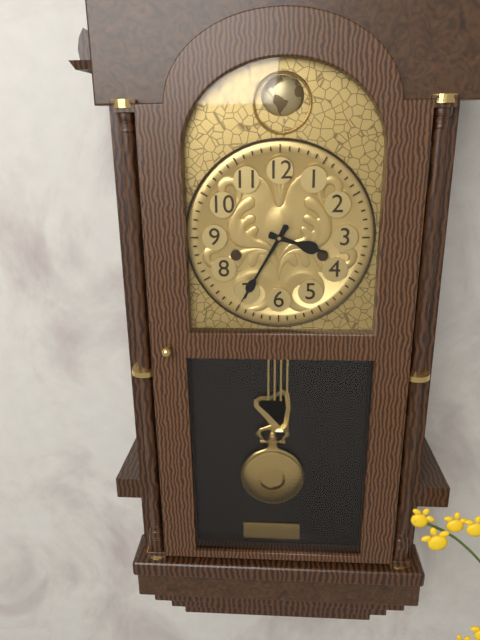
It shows 3,35
